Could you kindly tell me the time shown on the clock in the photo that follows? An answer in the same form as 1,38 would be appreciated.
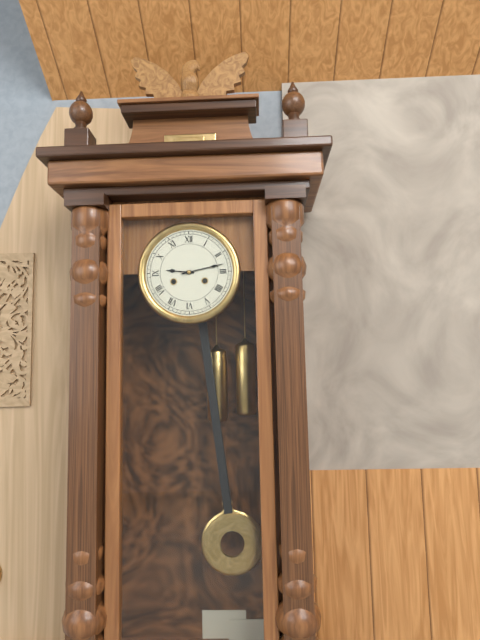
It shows 9,13
